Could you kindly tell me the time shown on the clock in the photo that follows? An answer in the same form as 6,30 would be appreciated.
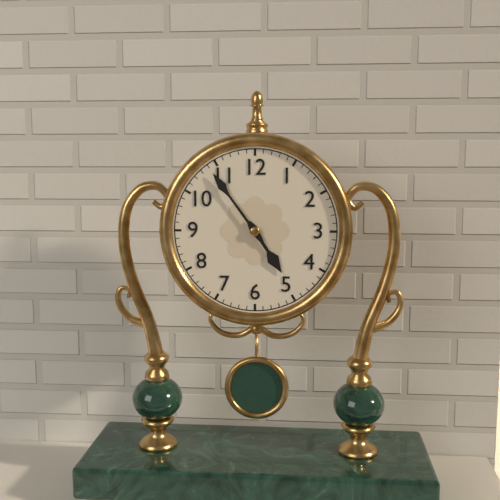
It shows 4,54
